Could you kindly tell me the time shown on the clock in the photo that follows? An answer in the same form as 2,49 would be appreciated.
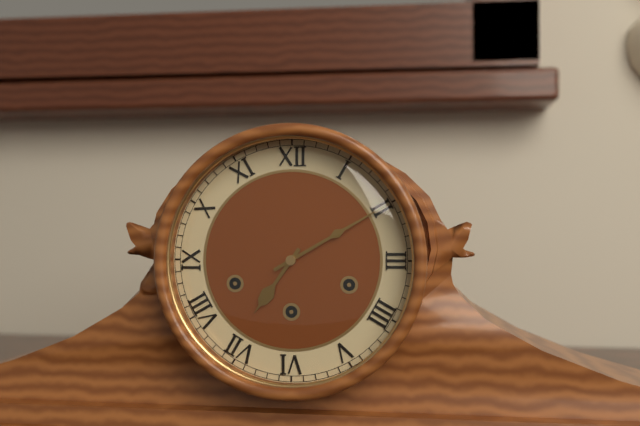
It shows 7,10
